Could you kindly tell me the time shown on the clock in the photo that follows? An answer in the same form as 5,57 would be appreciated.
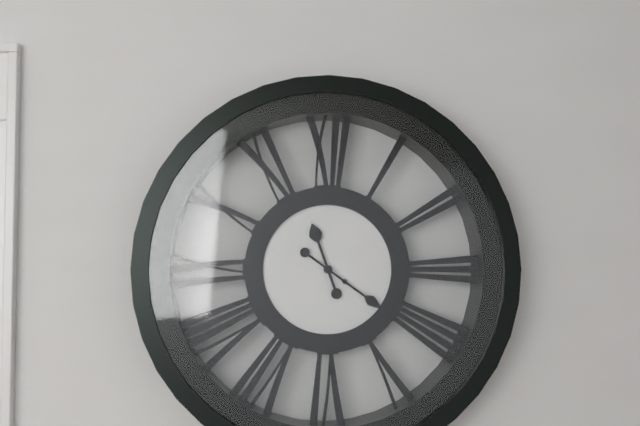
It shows 11,21
